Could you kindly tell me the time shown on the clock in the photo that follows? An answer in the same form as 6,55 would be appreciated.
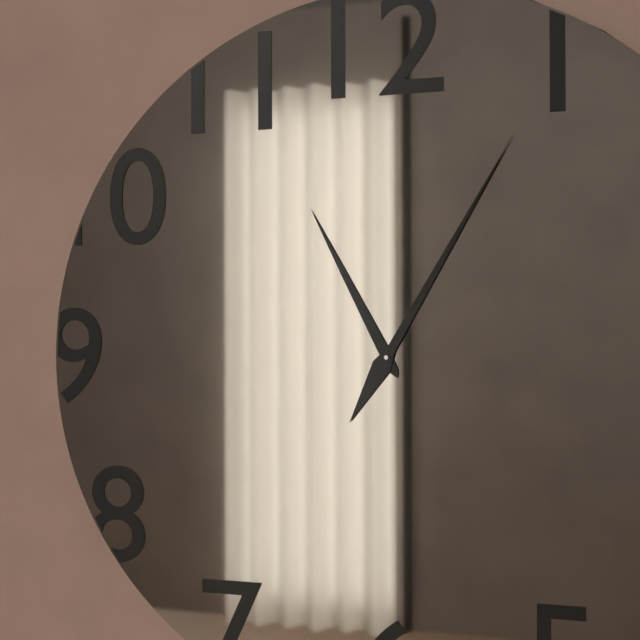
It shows 11,05
